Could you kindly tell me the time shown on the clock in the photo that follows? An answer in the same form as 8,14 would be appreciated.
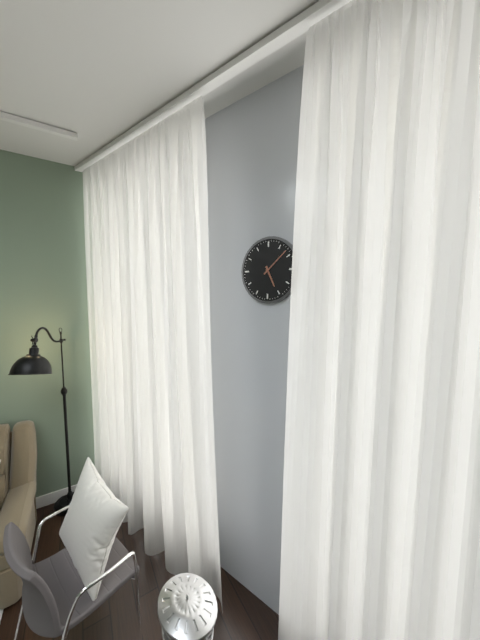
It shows 5,08
